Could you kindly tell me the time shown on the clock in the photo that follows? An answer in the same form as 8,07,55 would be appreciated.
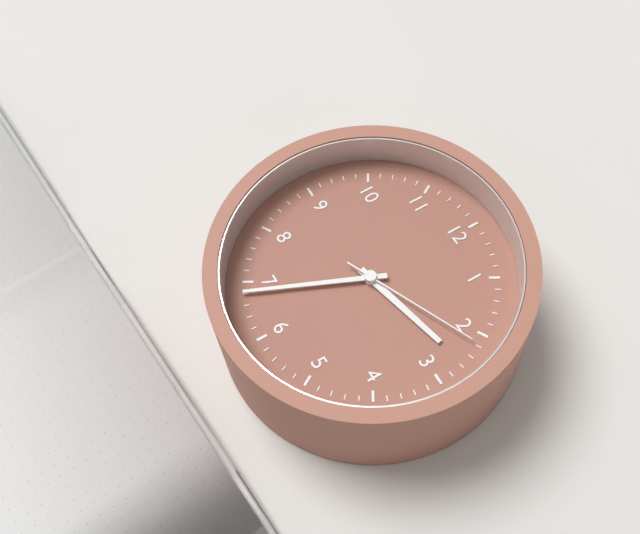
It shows 2,34,11
